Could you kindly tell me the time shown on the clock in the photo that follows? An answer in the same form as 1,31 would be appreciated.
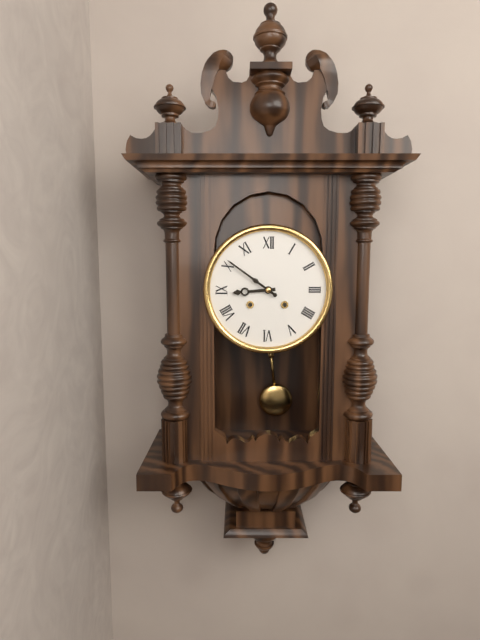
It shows 8,51
